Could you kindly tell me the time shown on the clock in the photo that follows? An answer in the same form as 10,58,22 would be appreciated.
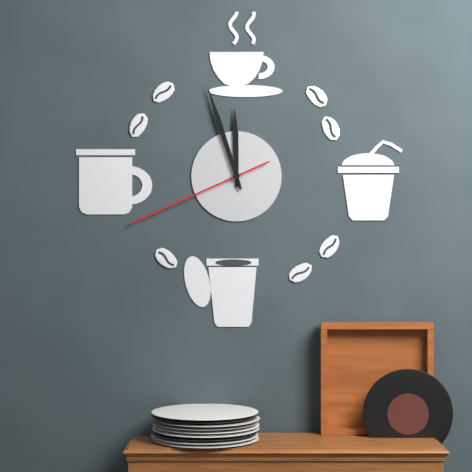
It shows 11,57,41
